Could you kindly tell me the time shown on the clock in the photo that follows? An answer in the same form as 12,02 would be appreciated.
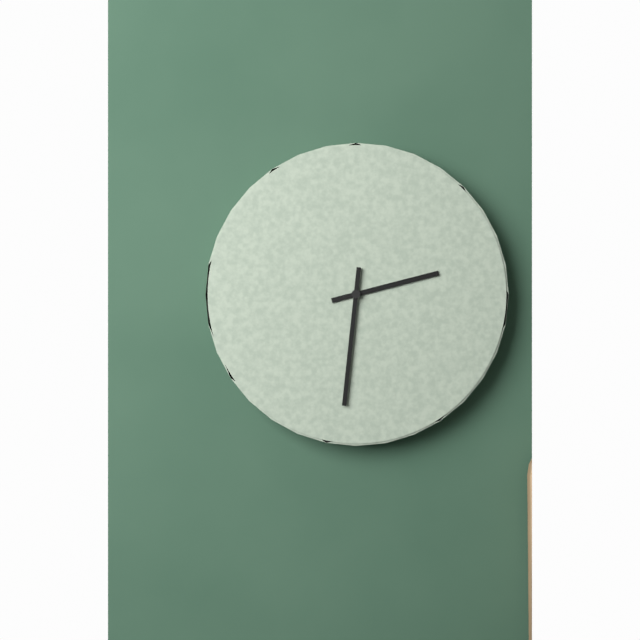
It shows 2,31
